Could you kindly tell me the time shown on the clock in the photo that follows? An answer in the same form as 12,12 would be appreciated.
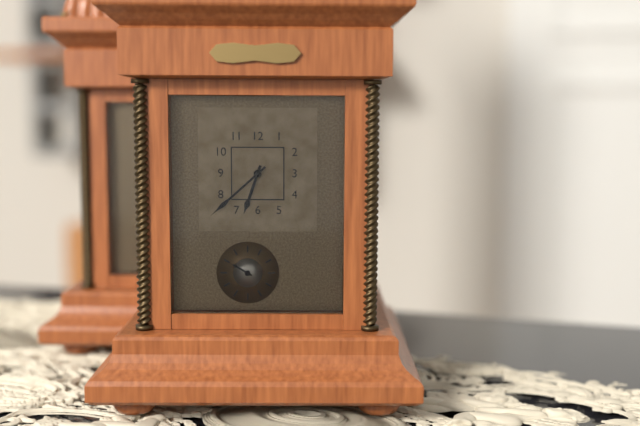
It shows 6,38
